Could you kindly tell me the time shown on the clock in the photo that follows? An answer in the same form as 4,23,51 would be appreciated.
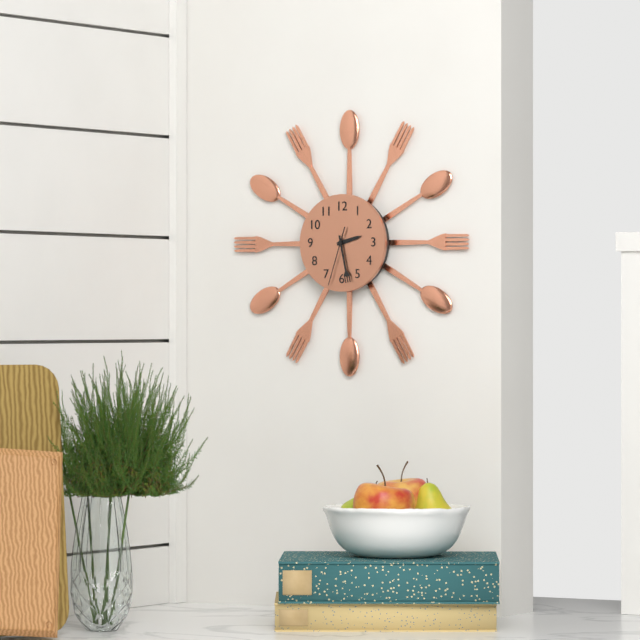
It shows 2,28,33
